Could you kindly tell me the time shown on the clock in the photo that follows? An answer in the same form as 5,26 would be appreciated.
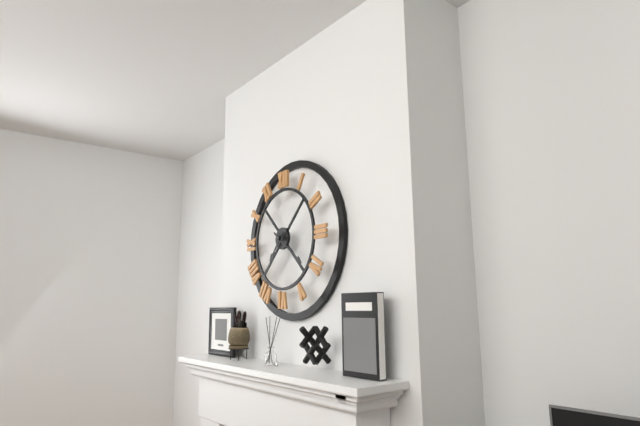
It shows 7,21
